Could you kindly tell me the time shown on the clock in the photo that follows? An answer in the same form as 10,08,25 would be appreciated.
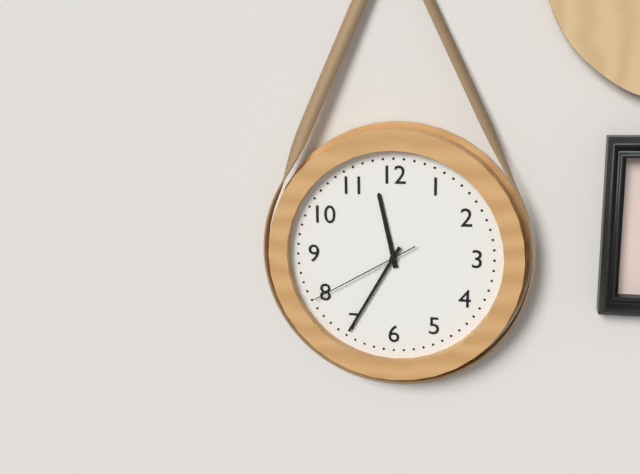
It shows 11,35,40
